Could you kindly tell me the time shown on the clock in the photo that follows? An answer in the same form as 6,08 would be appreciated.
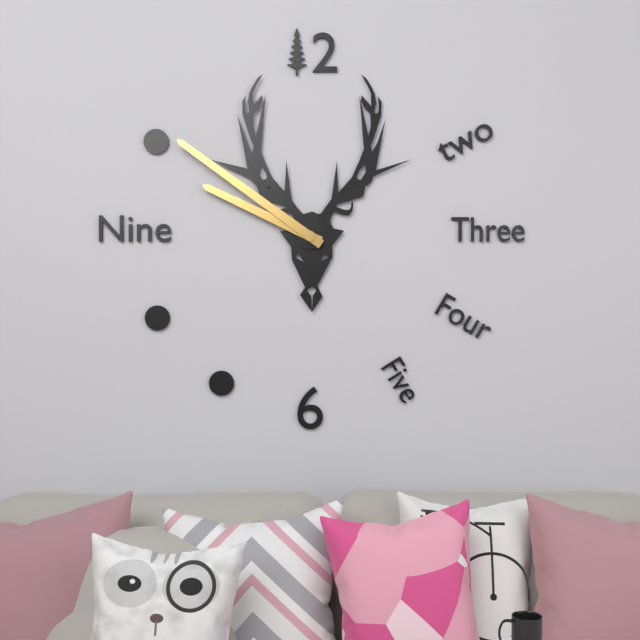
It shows 9,51
